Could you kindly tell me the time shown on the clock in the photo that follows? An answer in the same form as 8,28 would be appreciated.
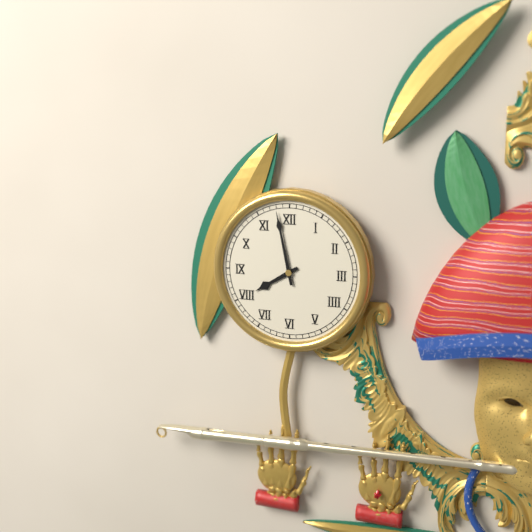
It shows 7,58
